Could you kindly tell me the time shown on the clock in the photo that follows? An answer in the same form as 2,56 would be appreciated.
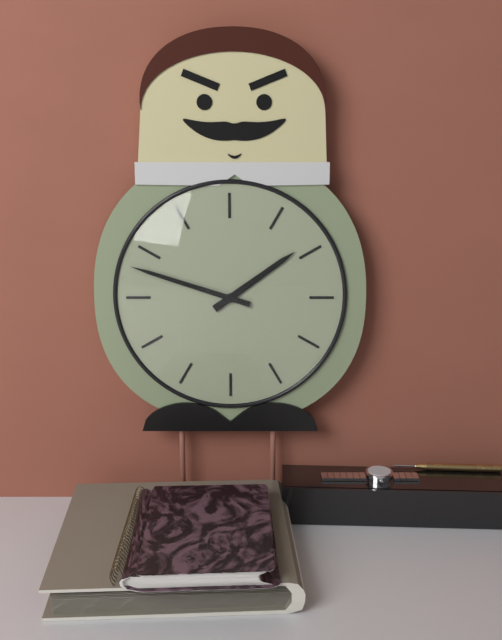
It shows 1,48
